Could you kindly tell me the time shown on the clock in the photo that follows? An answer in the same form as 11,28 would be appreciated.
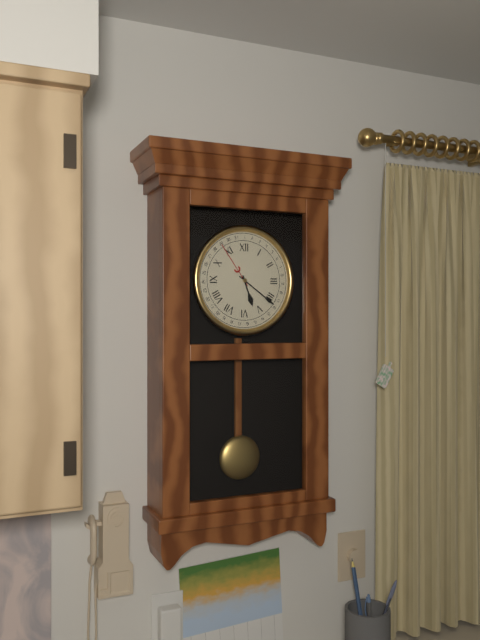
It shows 5,21
